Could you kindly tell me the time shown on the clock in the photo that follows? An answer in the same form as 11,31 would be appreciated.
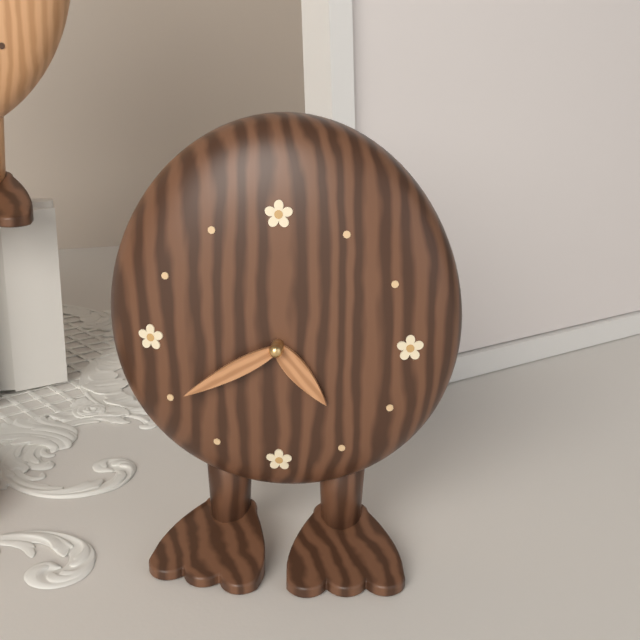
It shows 4,40
